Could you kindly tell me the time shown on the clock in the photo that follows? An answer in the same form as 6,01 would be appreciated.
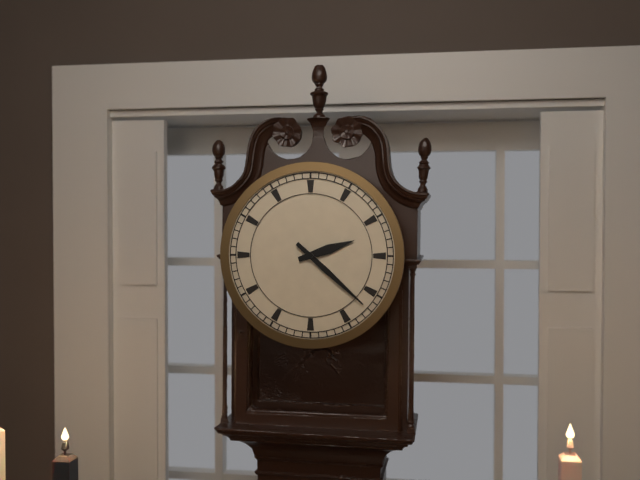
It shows 2,22
